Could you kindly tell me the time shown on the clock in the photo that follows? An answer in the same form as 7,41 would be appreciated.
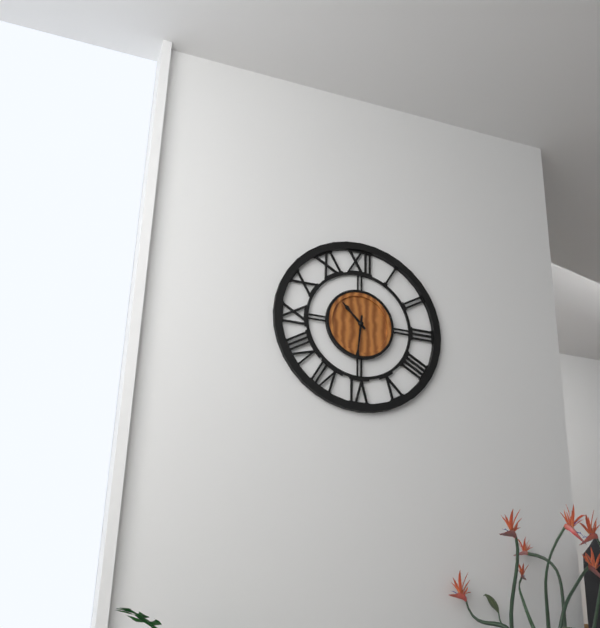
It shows 10,31
